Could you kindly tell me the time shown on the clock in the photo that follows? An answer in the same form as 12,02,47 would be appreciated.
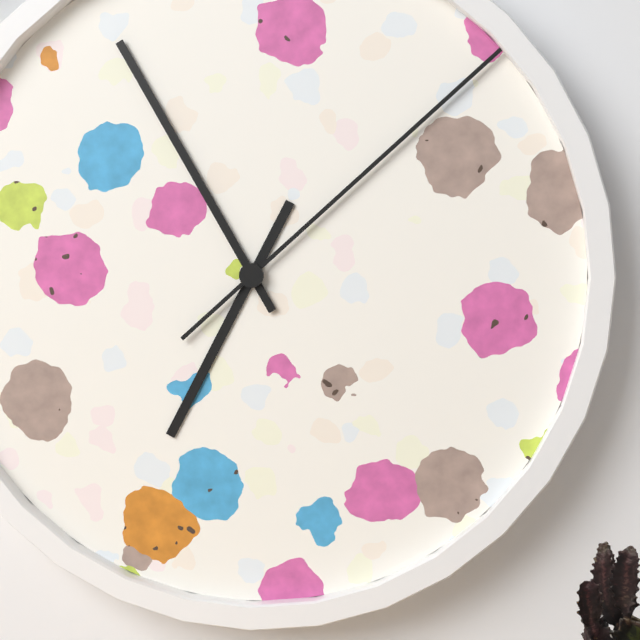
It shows 6,55,08
